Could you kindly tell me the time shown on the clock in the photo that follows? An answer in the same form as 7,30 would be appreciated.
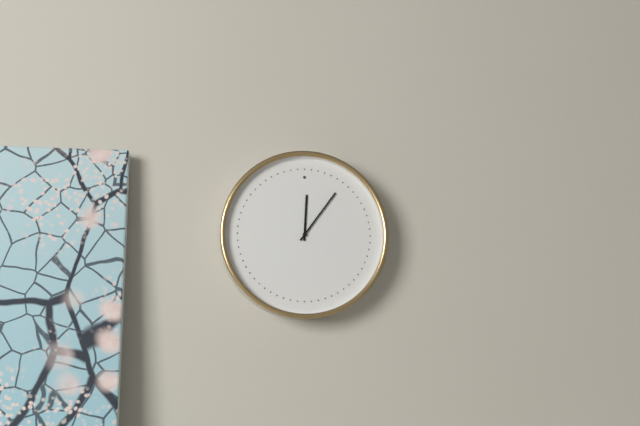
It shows 12,06
